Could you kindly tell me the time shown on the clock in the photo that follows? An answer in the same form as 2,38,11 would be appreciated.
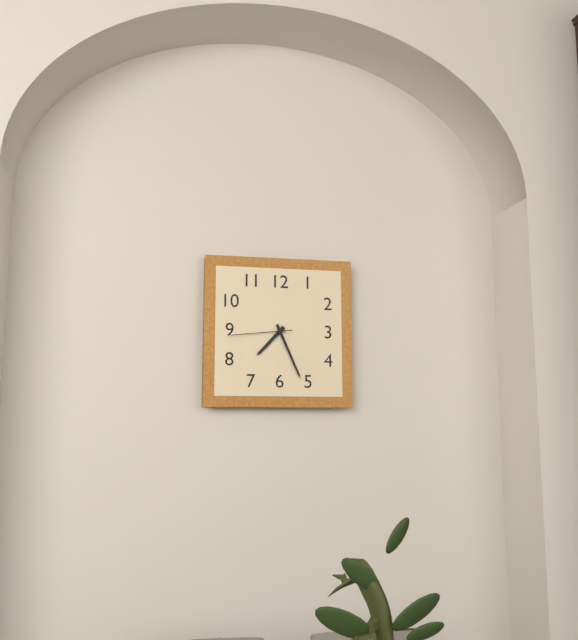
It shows 7,26,44
